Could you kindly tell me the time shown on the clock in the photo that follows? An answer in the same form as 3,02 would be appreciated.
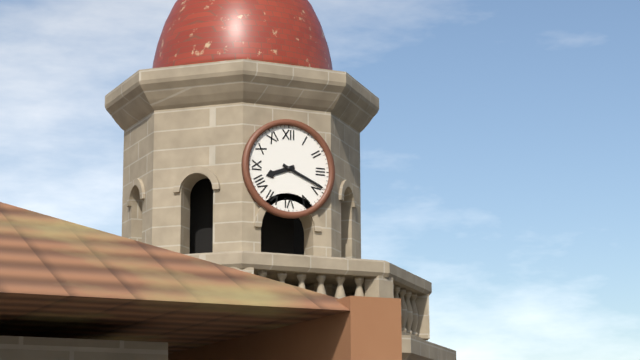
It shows 8,19
